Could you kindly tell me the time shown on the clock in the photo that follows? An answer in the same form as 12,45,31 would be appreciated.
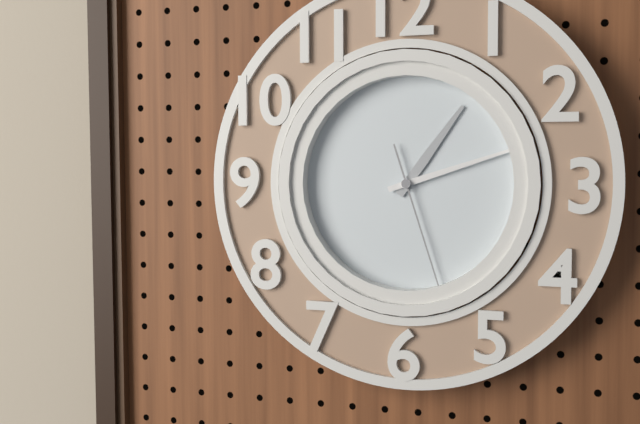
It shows 1,12,27
